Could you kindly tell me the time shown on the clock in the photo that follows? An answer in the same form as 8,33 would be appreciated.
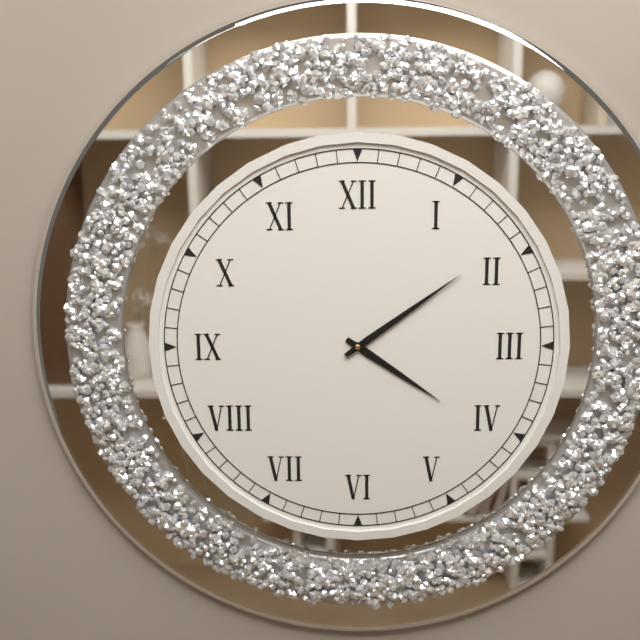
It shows 4,09
